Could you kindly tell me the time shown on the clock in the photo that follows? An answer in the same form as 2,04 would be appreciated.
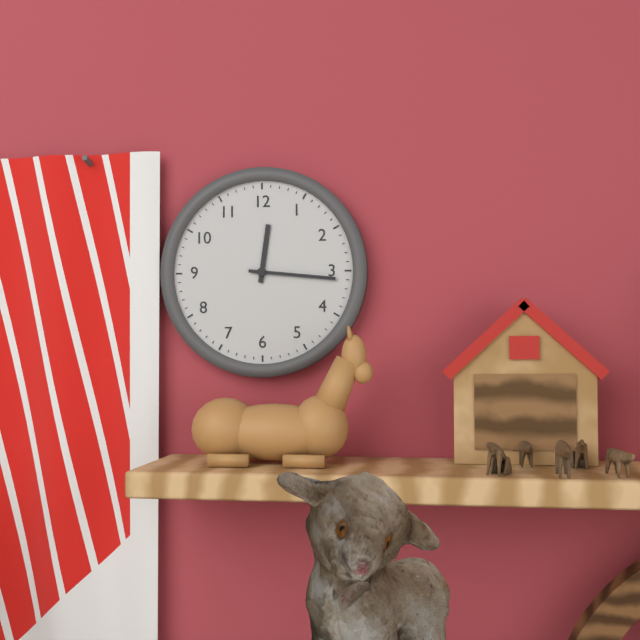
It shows 12,16
